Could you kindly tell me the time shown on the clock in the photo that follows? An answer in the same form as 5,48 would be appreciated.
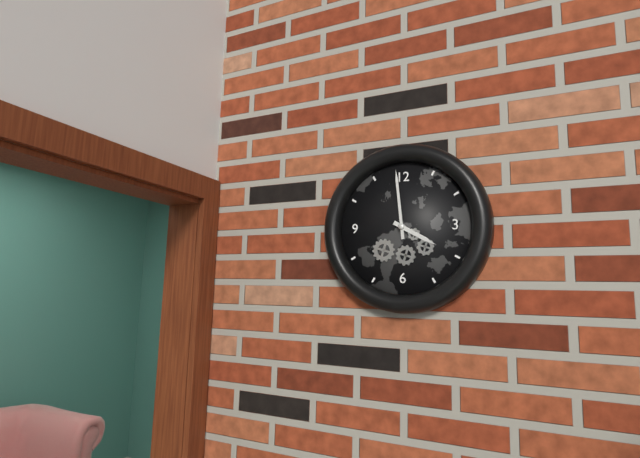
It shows 3,59
